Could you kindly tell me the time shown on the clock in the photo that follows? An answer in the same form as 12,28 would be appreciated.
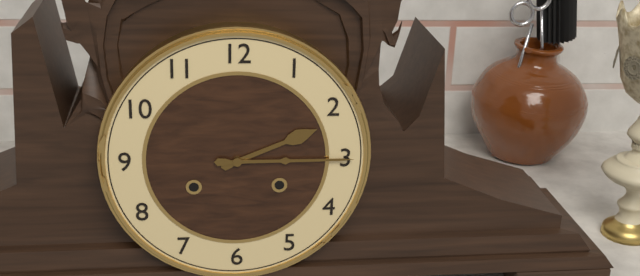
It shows 2,15
